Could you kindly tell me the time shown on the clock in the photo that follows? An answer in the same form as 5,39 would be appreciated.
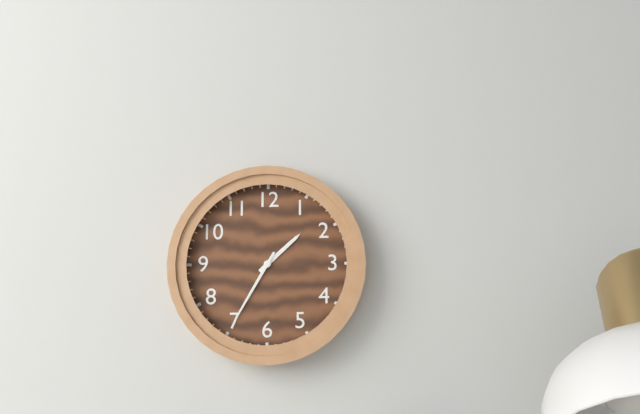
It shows 1,35
